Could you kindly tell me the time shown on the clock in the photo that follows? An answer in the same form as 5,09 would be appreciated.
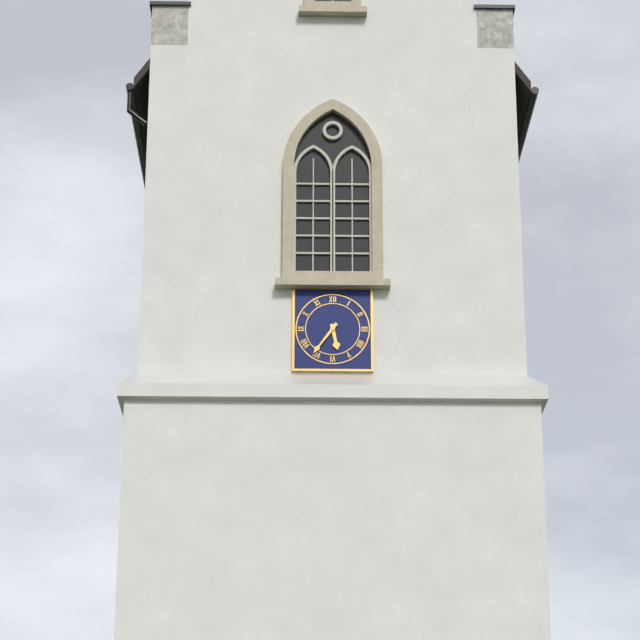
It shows 5,36
